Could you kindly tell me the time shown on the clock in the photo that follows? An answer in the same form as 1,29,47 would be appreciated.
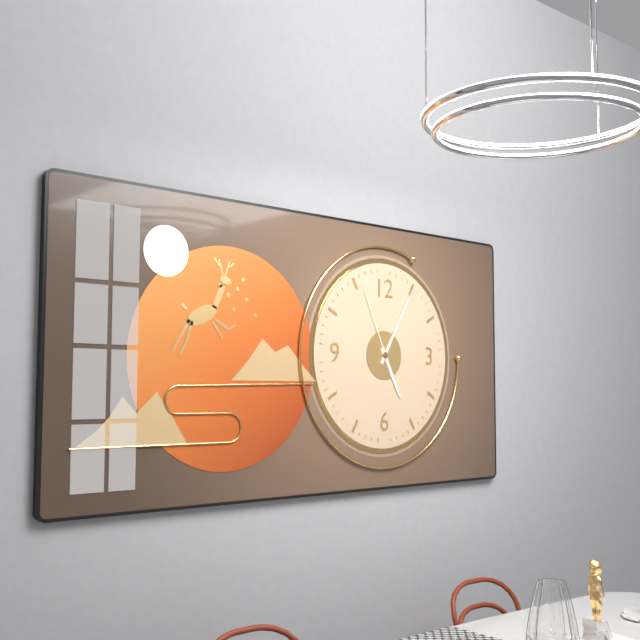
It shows 5,05,56
